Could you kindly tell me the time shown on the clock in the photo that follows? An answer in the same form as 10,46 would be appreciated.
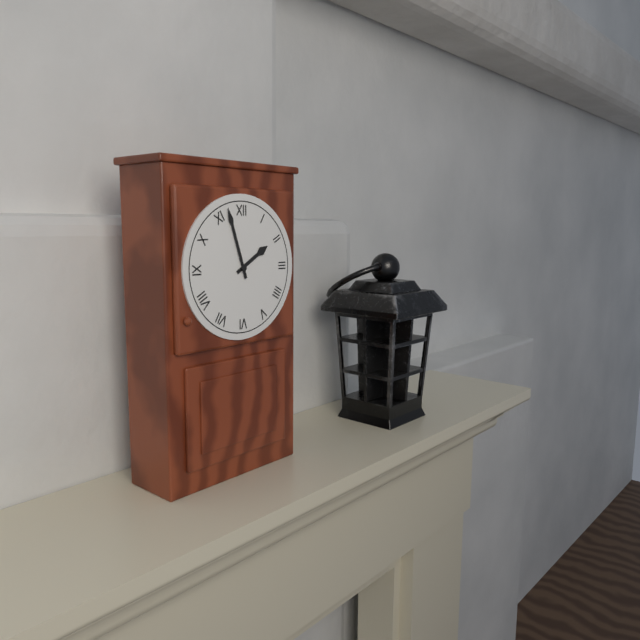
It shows 1,57
